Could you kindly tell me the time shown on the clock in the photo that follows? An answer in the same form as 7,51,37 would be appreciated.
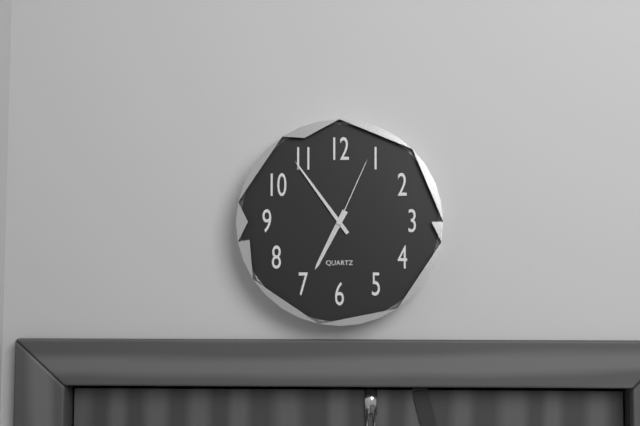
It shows 6,54,04
